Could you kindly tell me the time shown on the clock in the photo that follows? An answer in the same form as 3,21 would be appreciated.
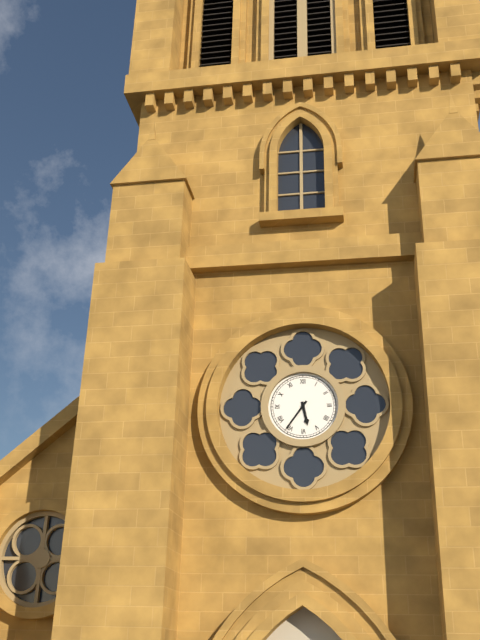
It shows 5,36
